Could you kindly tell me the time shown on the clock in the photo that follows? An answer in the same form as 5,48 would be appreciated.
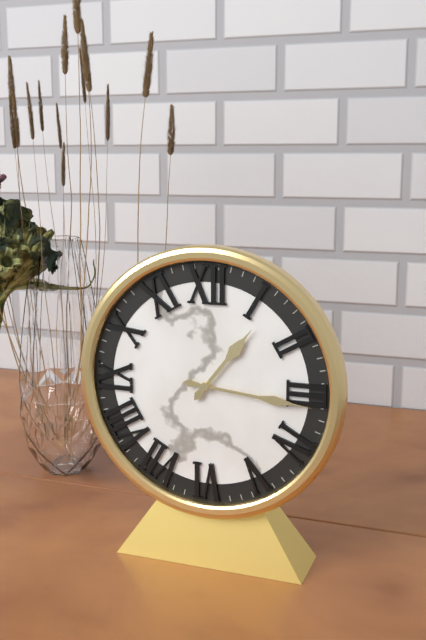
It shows 1,16
